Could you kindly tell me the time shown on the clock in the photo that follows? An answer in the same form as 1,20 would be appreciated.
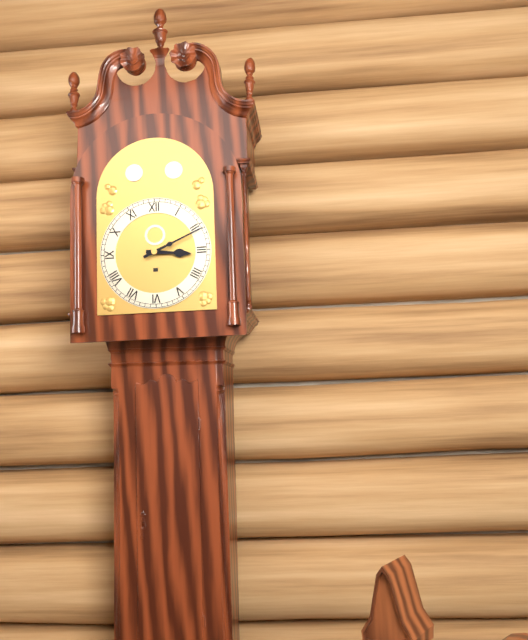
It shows 3,11
